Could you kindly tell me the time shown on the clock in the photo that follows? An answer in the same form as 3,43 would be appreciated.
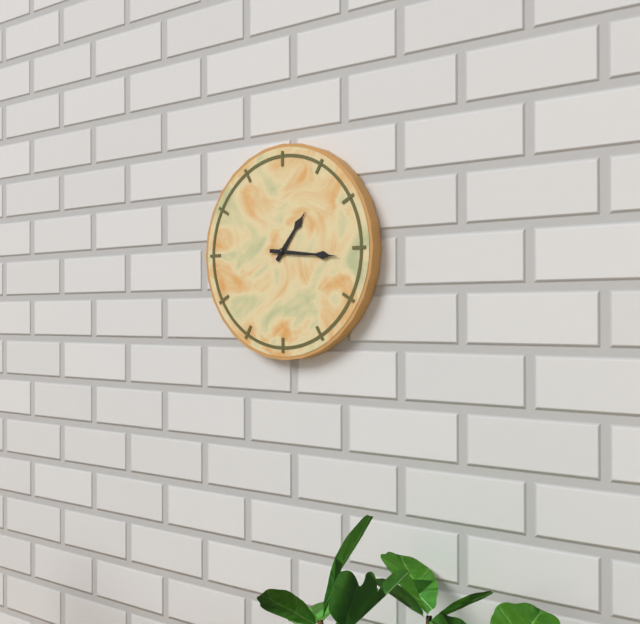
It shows 1,16
